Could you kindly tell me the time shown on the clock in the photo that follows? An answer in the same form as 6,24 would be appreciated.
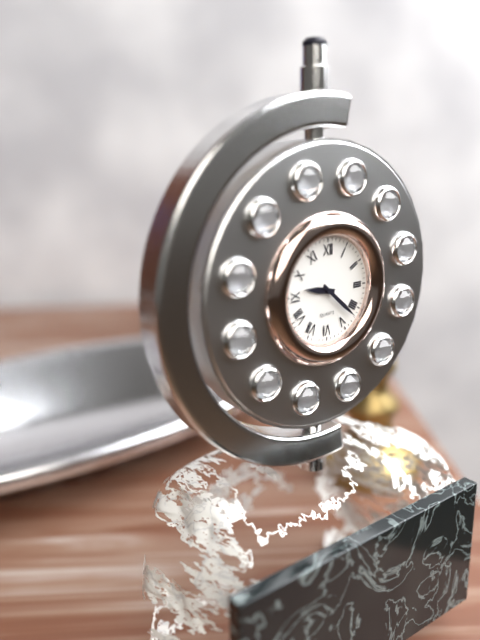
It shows 9,22
